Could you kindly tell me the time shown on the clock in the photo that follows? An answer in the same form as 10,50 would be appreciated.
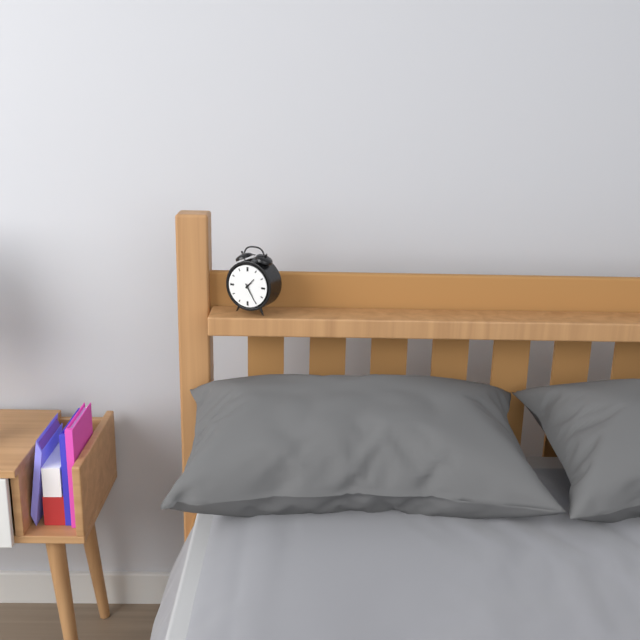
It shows 1,25
